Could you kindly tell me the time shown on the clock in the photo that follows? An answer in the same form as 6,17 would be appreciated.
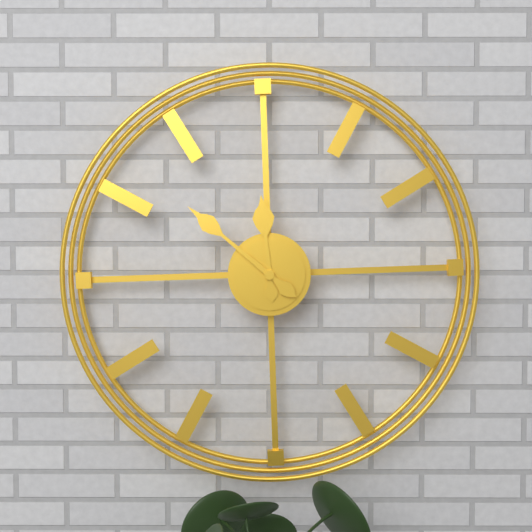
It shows 11,52
